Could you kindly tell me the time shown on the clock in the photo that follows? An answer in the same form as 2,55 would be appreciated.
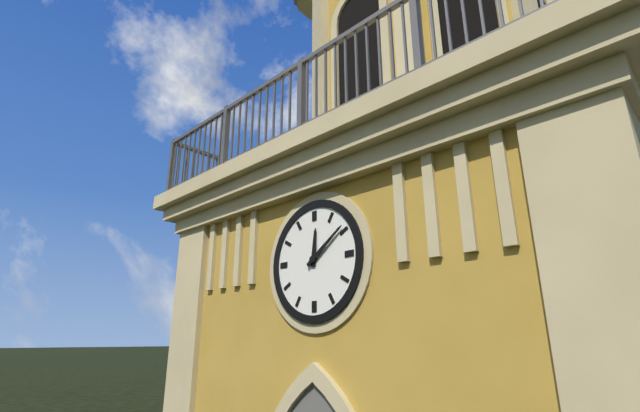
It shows 12,09
